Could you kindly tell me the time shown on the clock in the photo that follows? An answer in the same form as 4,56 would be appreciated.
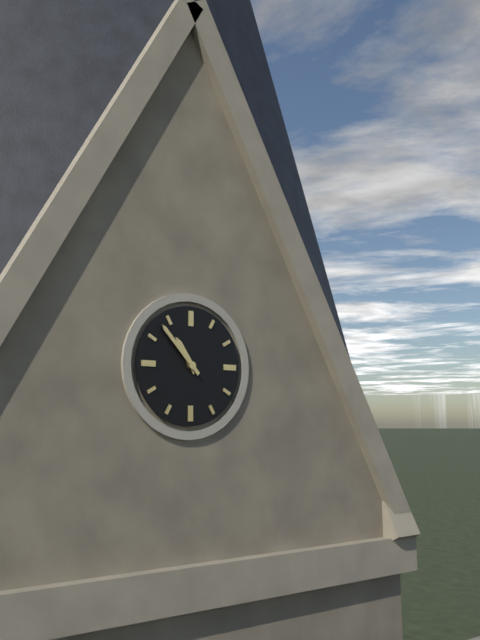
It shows 10,53
